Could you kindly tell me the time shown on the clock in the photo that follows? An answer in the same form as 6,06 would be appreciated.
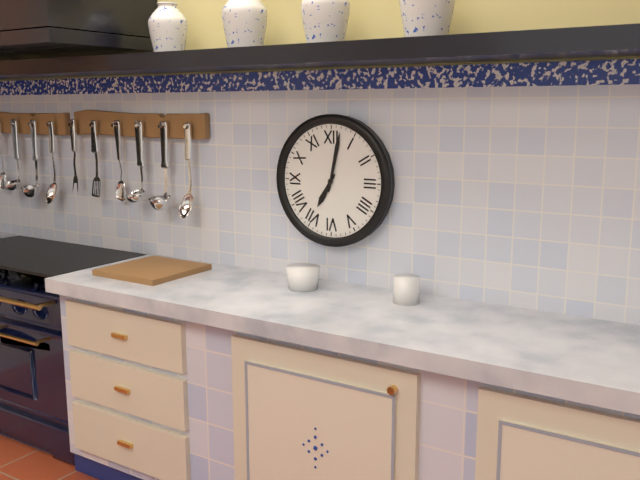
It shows 7,02
